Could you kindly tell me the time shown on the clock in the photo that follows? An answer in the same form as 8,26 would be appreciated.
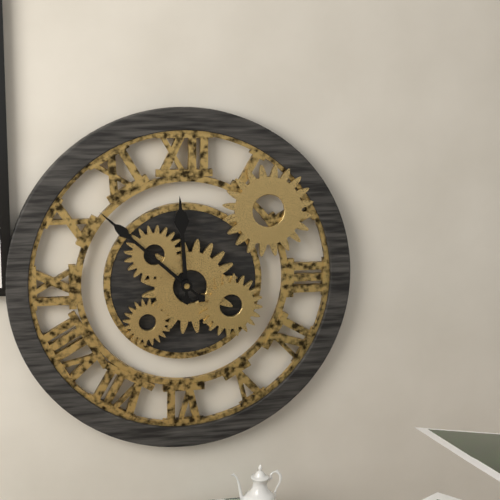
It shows 11,52
